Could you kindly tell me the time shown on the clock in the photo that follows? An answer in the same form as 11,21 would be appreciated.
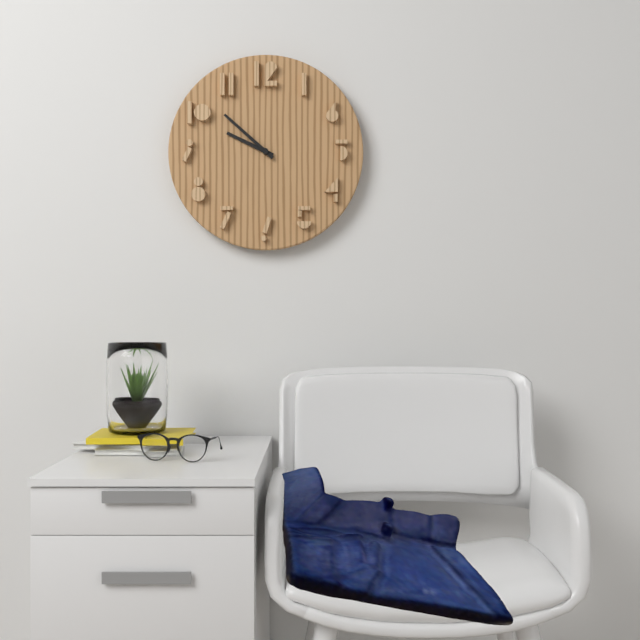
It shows 9,52
